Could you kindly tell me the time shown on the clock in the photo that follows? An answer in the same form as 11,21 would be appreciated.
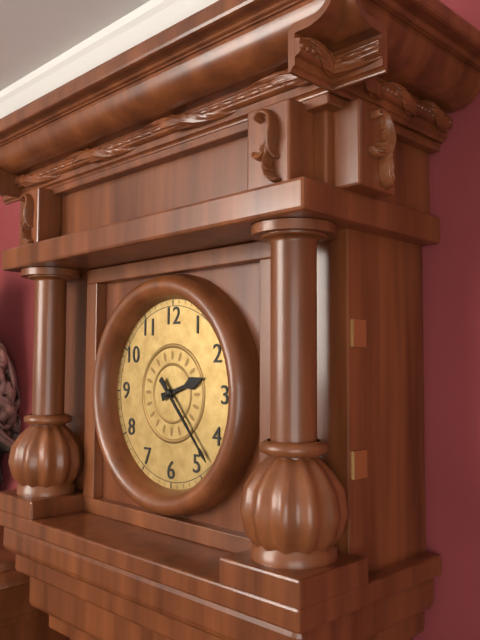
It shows 2,23
